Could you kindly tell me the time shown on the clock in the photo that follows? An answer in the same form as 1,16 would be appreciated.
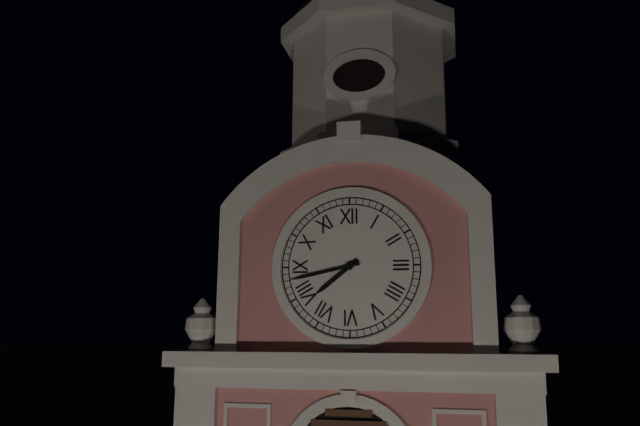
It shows 7,43
